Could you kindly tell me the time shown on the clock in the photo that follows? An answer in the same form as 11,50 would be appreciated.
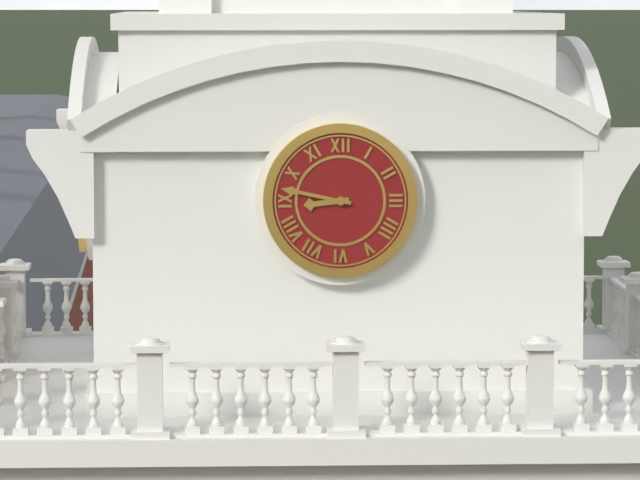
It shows 8,47
